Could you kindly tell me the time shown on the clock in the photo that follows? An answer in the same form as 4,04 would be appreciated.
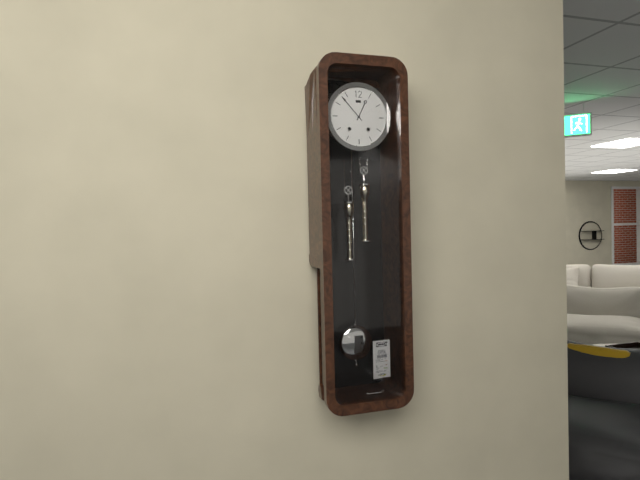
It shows 12,53
